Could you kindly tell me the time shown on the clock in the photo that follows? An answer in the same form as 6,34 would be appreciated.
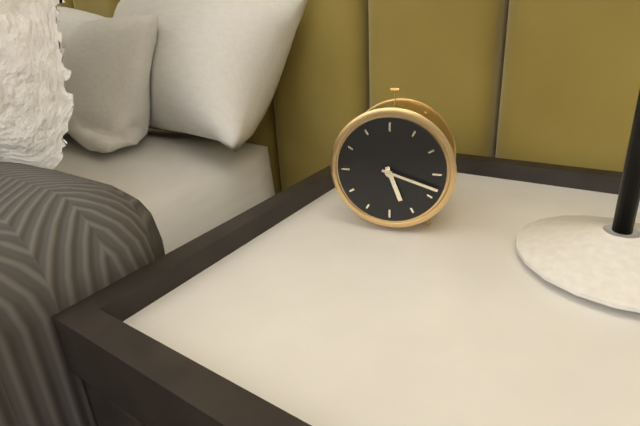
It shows 5,18
